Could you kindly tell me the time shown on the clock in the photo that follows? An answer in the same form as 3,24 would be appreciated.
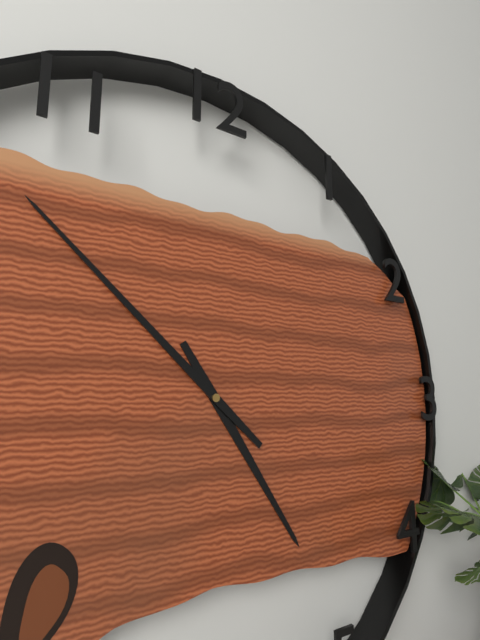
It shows 4,52
